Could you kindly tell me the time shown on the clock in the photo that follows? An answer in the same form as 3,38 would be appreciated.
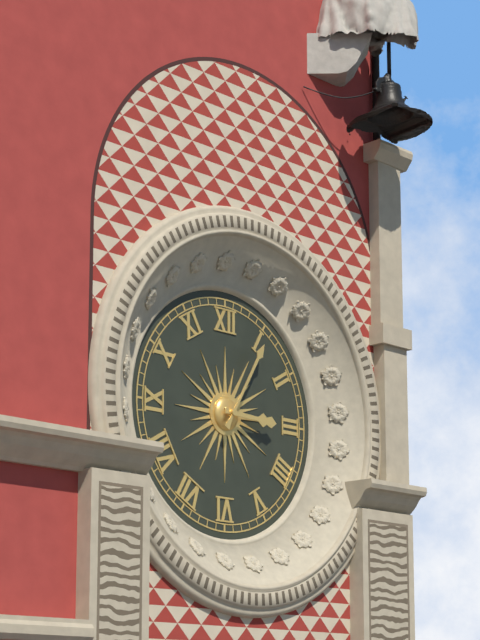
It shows 3,05
